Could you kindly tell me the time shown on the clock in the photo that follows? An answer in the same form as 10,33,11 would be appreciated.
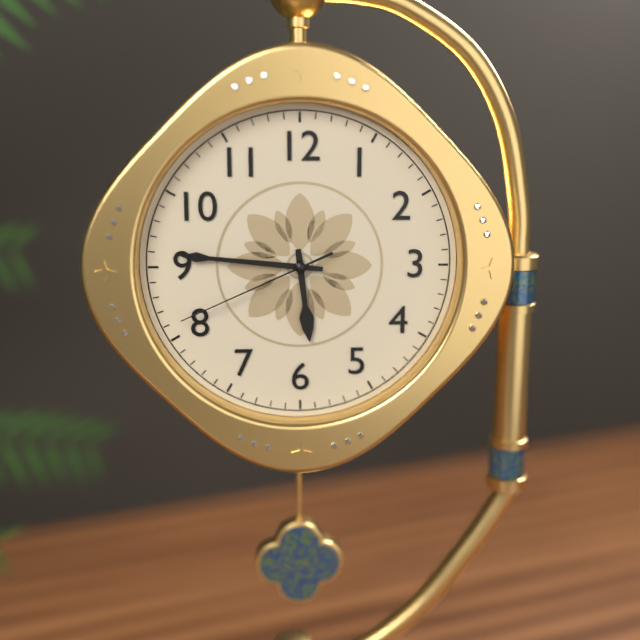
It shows 5,46,41
